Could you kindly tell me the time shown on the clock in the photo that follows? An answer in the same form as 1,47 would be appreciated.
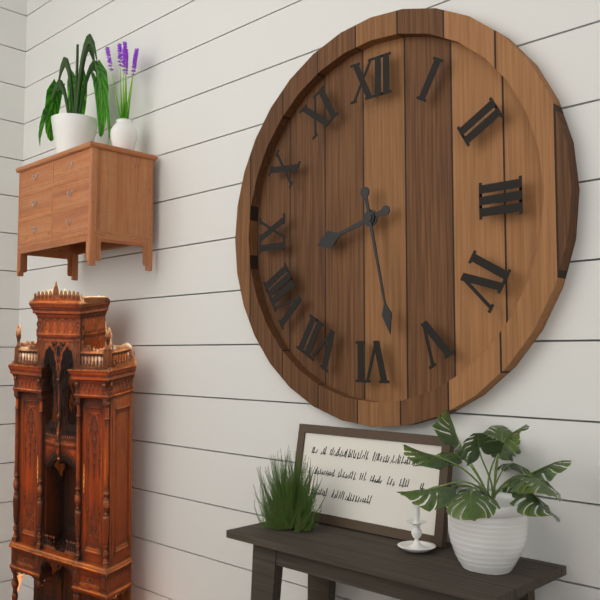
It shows 8,28
